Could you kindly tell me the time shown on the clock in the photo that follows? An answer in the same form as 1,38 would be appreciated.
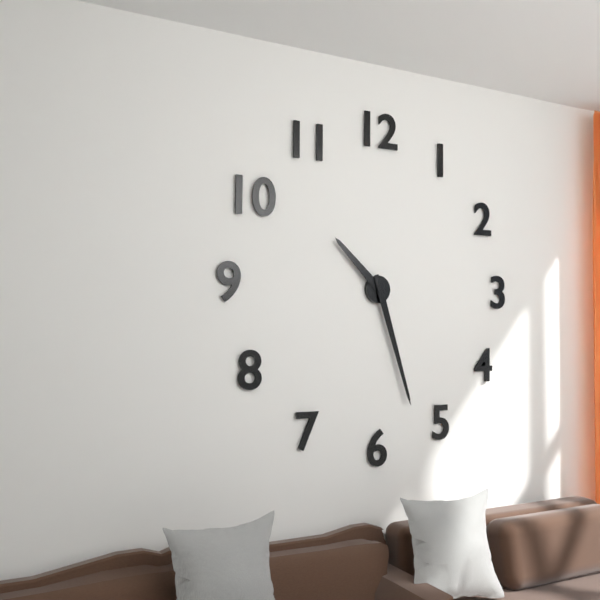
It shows 10,27
